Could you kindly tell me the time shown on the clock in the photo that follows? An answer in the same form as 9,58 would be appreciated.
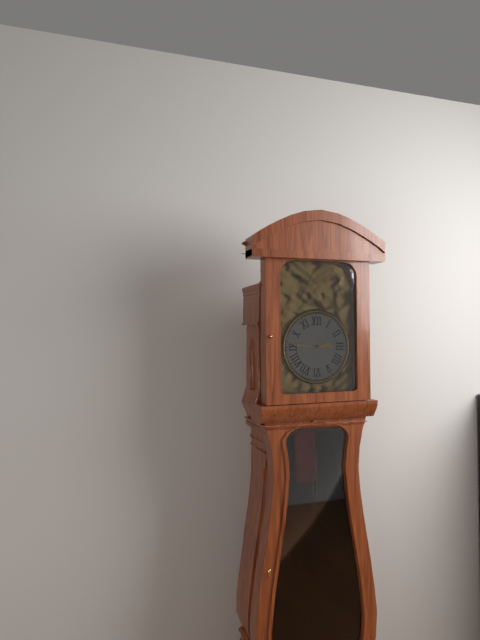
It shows 2,46
